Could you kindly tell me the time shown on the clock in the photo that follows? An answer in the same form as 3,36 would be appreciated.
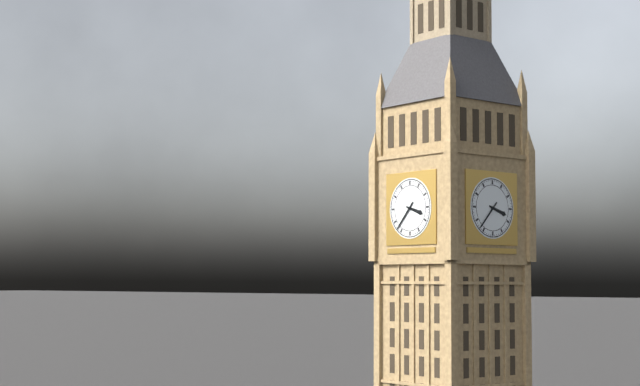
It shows 3,37
